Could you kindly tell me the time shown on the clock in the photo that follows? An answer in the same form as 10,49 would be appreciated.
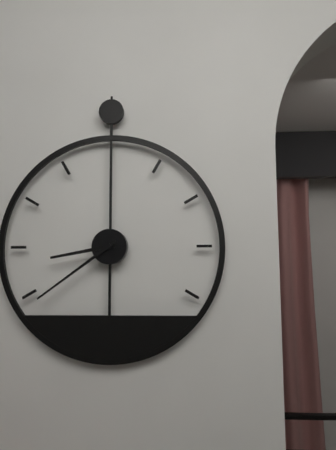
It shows 8,39
